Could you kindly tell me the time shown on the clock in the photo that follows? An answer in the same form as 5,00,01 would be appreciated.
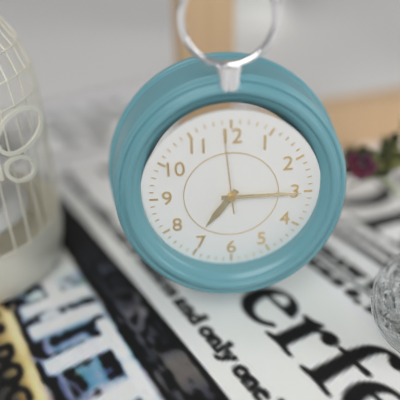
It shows 7,15,59
